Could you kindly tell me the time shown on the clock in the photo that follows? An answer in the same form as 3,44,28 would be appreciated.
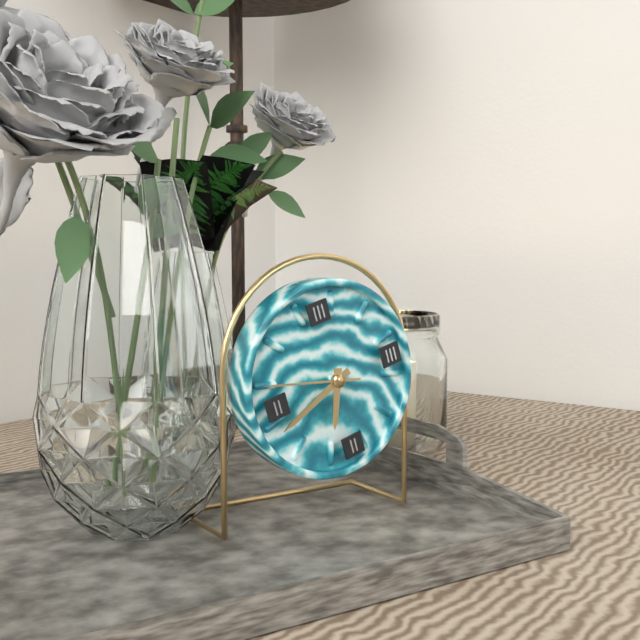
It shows 6,42,48
